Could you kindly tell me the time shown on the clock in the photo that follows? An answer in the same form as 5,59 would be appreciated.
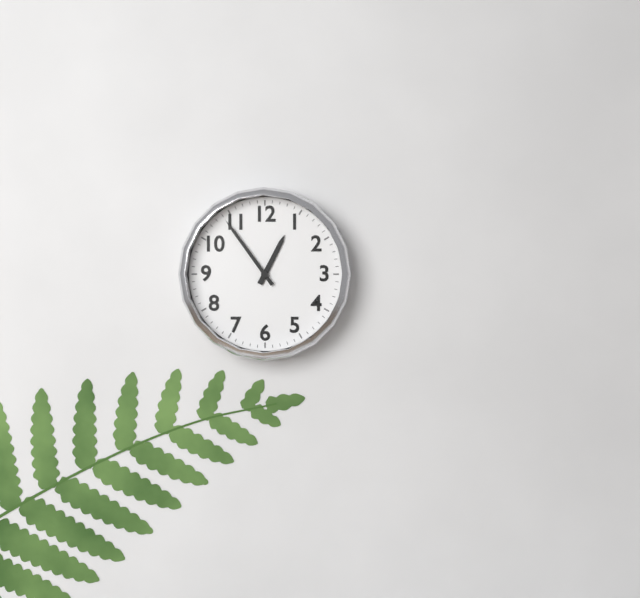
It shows 12,54
